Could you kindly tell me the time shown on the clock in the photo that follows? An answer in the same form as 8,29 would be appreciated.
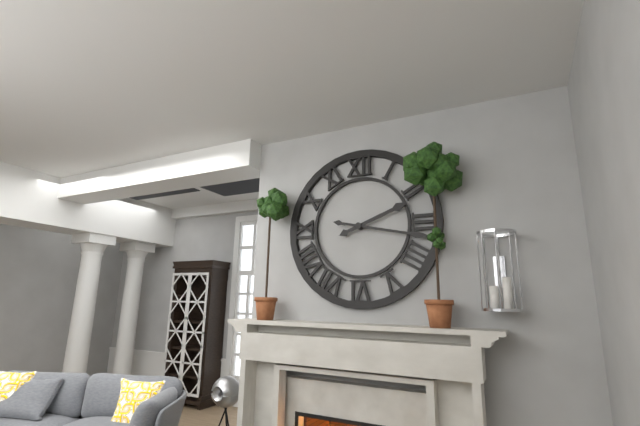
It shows 2,17
